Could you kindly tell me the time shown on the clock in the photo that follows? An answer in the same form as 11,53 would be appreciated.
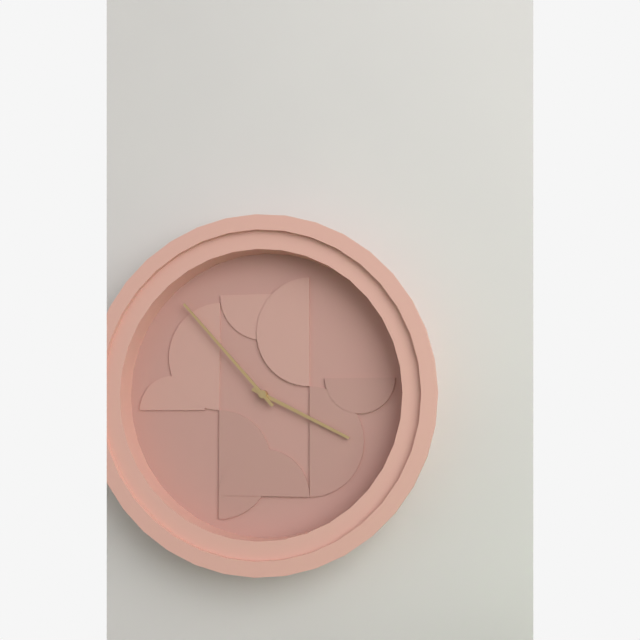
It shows 3,53
